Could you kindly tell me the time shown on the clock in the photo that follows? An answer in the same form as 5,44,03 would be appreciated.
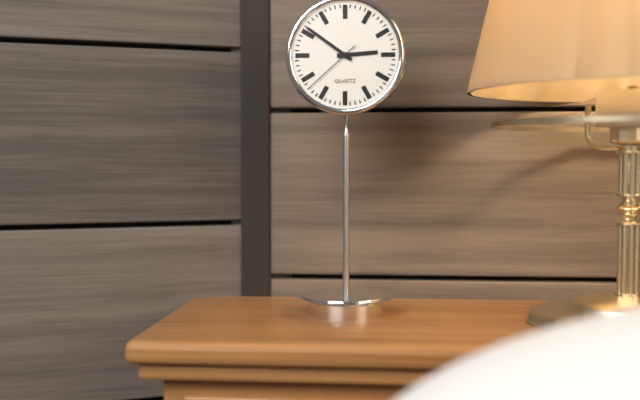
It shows 2,51,38
